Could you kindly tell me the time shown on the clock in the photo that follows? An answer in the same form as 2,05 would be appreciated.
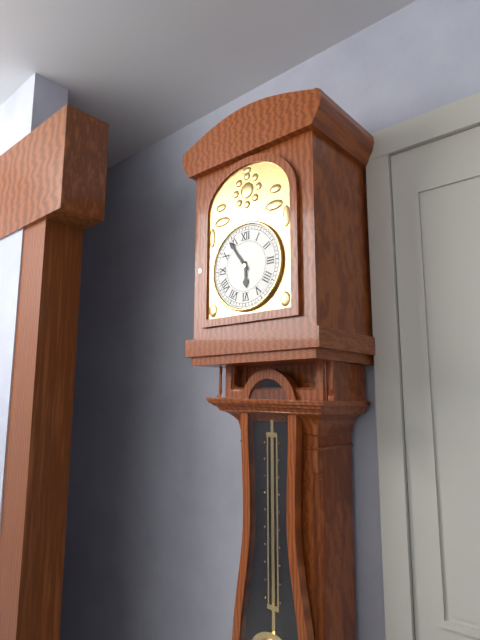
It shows 5,54
